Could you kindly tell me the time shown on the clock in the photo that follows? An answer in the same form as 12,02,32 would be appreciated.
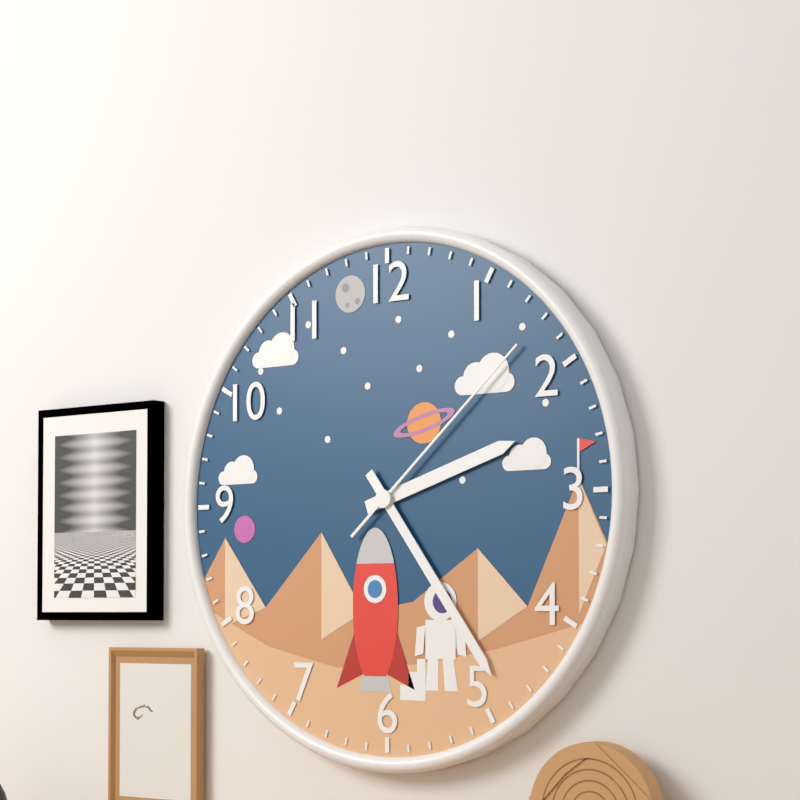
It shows 2,24,08
